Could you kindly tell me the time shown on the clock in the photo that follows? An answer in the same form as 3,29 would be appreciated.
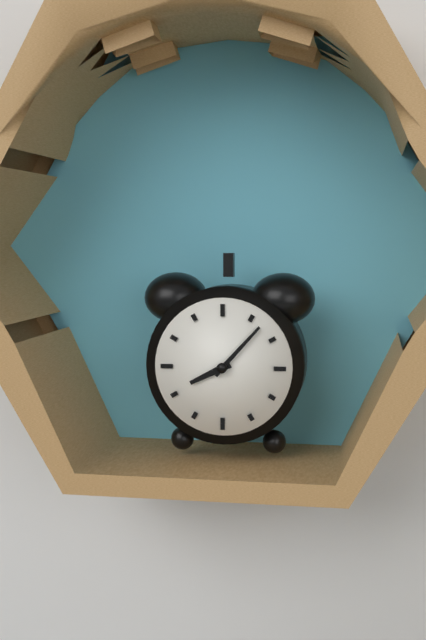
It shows 8,07
